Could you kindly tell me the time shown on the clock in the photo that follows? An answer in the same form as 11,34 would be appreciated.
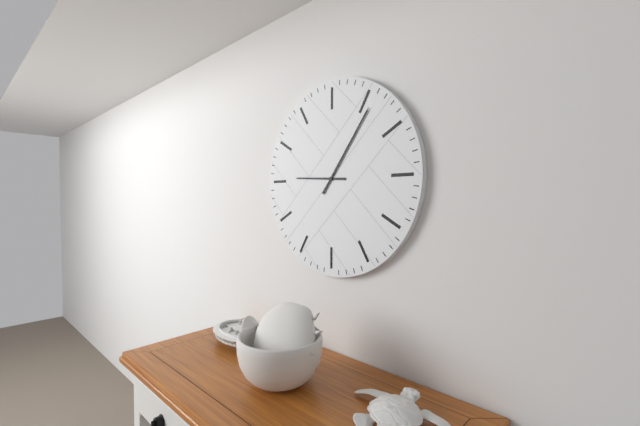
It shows 9,06
